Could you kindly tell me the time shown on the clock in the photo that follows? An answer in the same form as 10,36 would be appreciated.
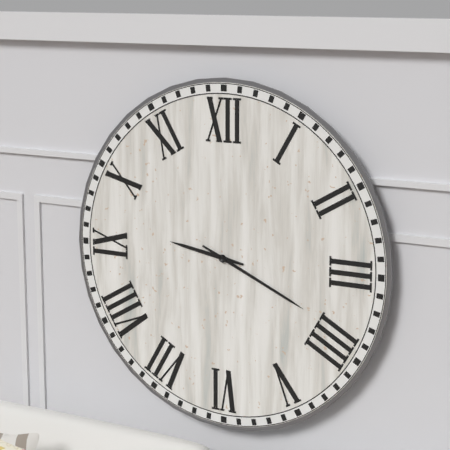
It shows 9,19
